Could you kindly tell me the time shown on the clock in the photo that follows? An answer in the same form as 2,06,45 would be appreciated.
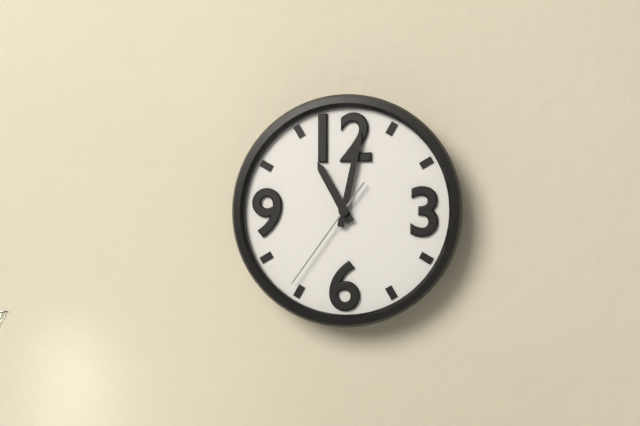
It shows 11,02,36
